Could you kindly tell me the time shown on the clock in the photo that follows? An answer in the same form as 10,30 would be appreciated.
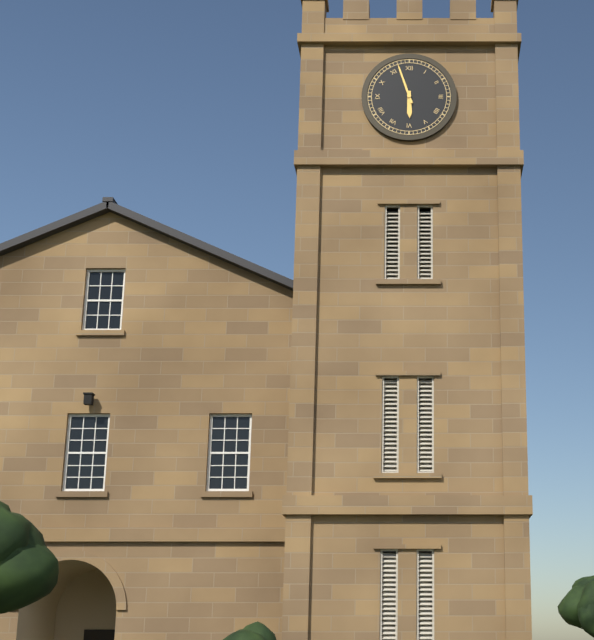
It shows 5,57
